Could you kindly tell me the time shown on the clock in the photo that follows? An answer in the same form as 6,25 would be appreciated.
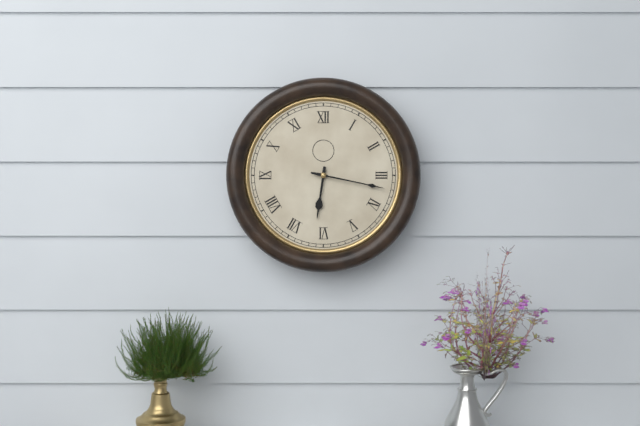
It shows 6,17
